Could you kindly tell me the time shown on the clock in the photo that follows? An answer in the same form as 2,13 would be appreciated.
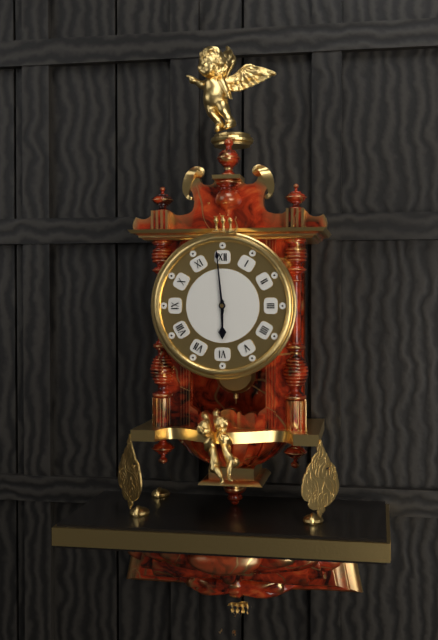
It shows 5,59
